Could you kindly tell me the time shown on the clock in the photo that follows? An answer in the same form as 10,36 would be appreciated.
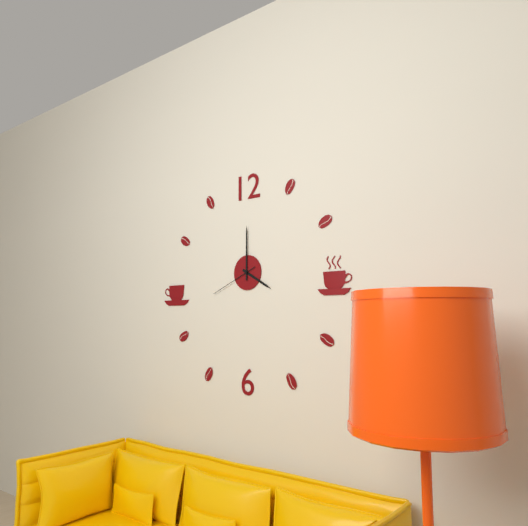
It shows 4,00
